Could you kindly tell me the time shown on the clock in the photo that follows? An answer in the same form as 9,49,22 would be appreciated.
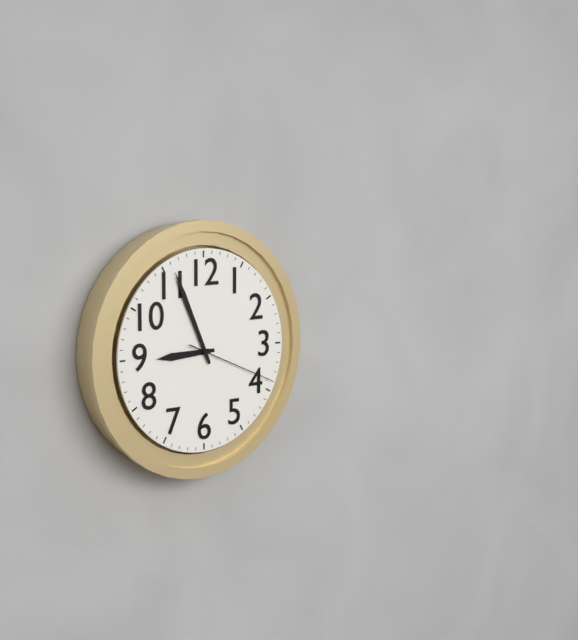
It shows 8,56,19
